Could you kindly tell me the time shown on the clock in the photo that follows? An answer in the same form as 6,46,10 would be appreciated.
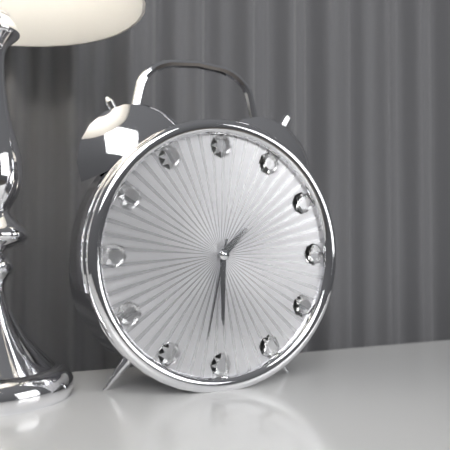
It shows 1,30,32
